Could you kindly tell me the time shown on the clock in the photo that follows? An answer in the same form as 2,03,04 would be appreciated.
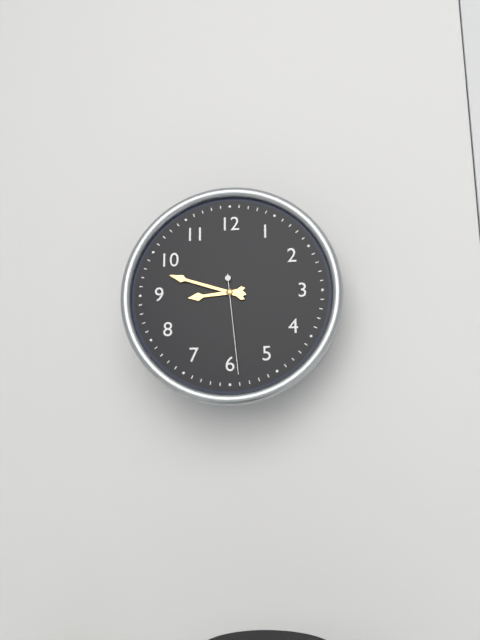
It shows 8,48,29
